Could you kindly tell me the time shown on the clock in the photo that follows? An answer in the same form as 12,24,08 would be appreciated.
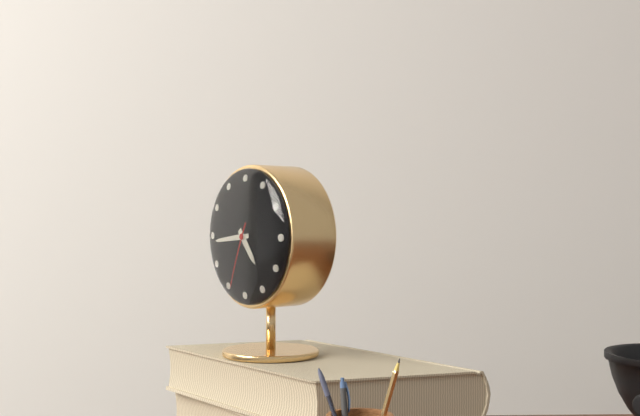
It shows 4,44,34
